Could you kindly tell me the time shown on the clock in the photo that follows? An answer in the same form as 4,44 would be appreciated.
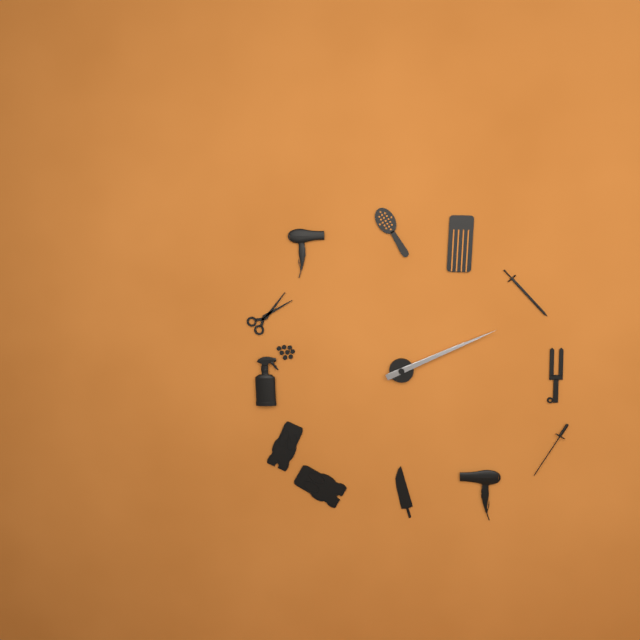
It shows 2,11
